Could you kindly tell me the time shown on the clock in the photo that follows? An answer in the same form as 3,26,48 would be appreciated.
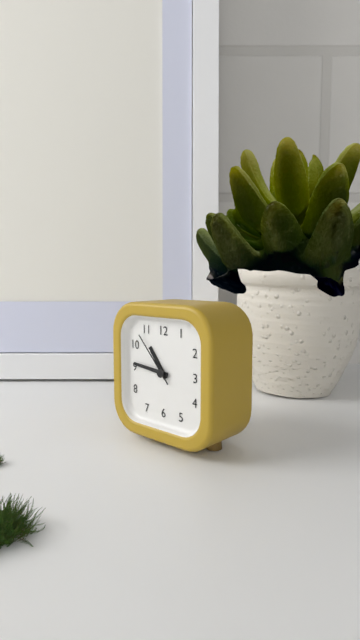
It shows 10,46,53
